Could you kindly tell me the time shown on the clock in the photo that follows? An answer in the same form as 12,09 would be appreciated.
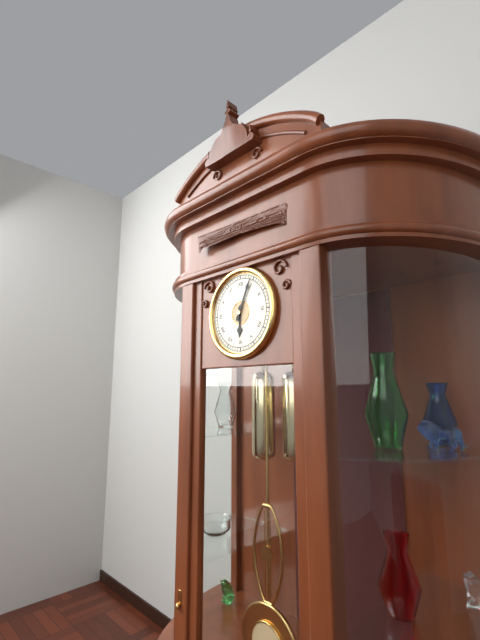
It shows 6,04
